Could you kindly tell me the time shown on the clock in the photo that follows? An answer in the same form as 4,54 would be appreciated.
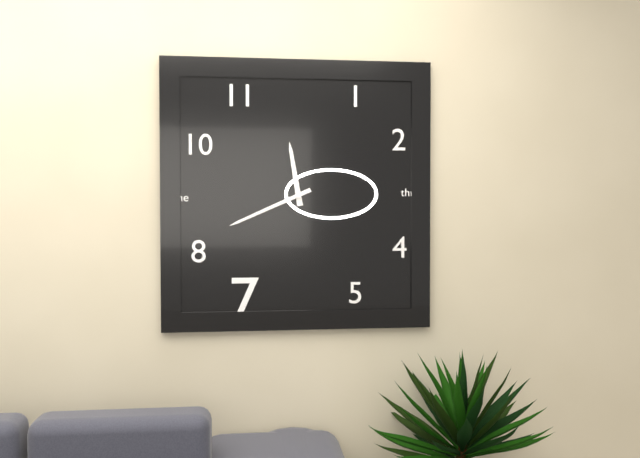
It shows 11,41
